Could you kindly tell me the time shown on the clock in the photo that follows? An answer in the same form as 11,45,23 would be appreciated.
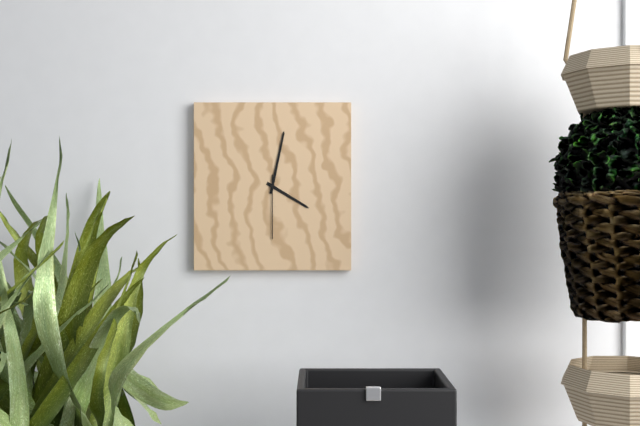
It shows 4,02,30
